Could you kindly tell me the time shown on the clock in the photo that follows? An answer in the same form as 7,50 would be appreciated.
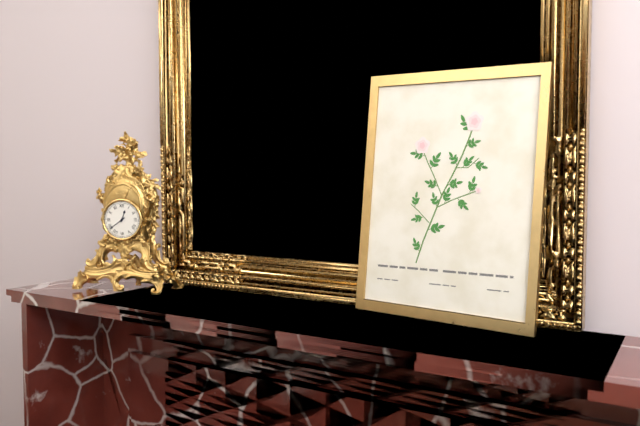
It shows 12,39
